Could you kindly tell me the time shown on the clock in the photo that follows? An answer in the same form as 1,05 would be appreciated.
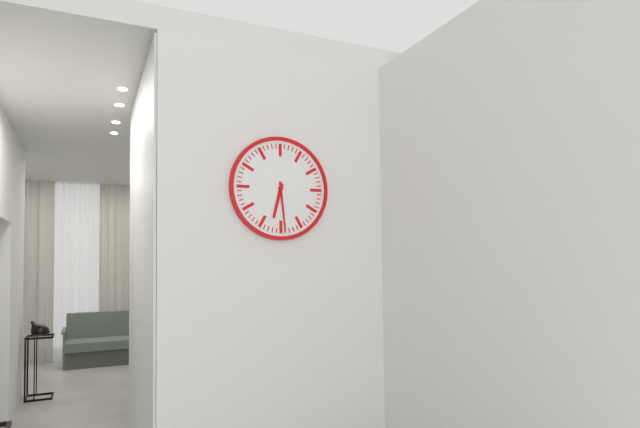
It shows 6,29
